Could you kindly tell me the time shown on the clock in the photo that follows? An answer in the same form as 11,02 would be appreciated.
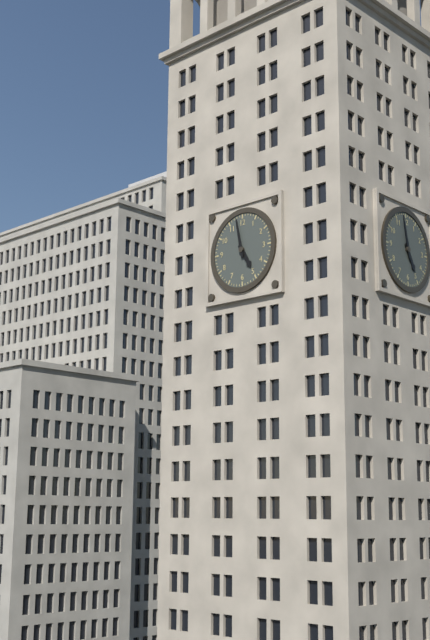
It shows 4,58
